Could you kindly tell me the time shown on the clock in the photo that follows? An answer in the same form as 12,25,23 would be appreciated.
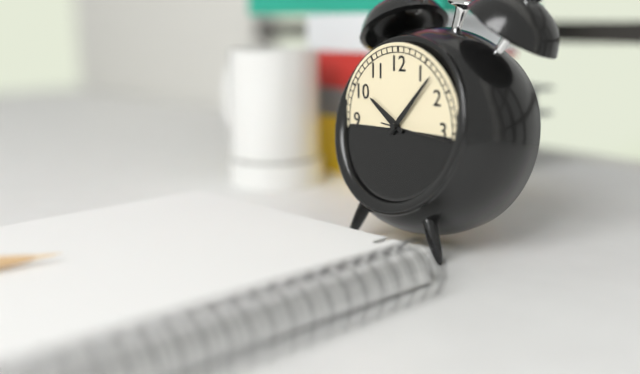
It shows 10,07,16
